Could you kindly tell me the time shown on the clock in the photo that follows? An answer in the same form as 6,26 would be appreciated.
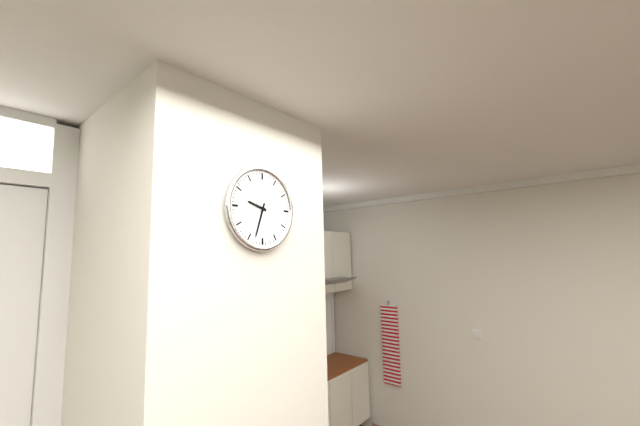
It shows 9,33
